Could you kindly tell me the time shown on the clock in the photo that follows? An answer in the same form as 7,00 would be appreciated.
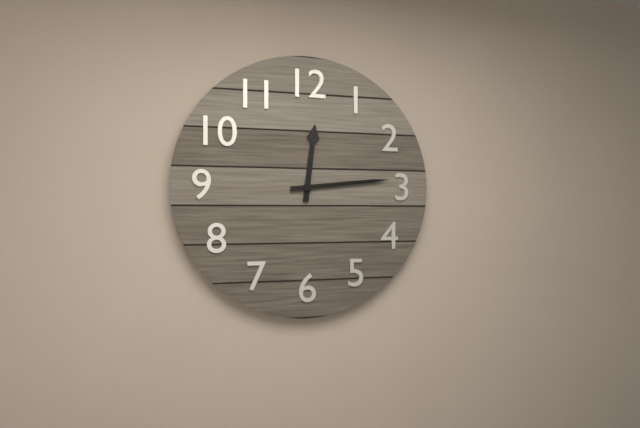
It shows 12,14
